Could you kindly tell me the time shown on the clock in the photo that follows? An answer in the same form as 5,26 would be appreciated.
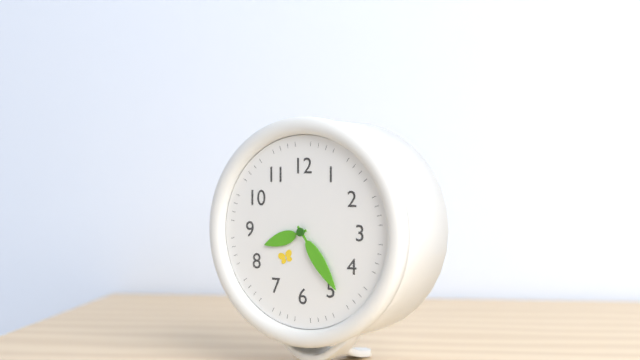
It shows 8,24
